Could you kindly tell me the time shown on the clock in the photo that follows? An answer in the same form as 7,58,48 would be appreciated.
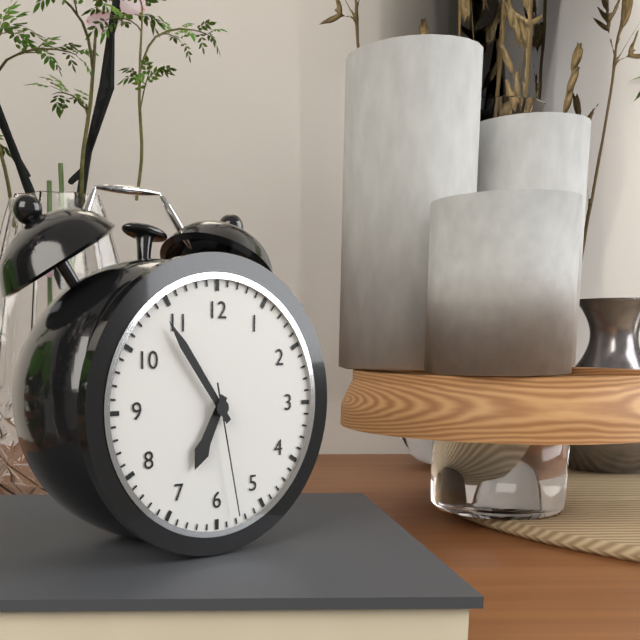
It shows 6,54,28
